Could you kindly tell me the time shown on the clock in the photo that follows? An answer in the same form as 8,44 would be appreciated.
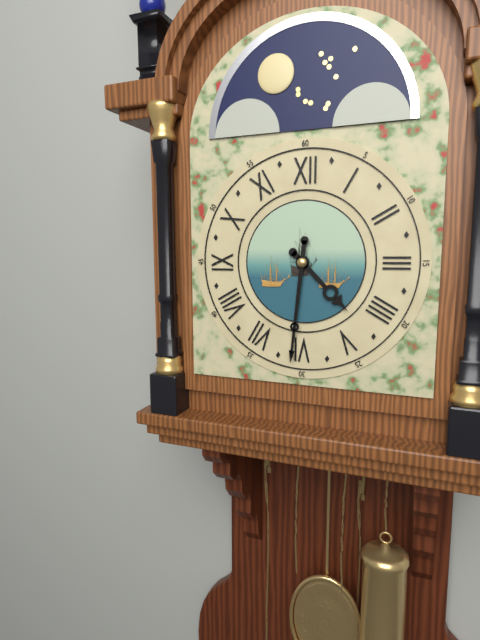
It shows 4,31
